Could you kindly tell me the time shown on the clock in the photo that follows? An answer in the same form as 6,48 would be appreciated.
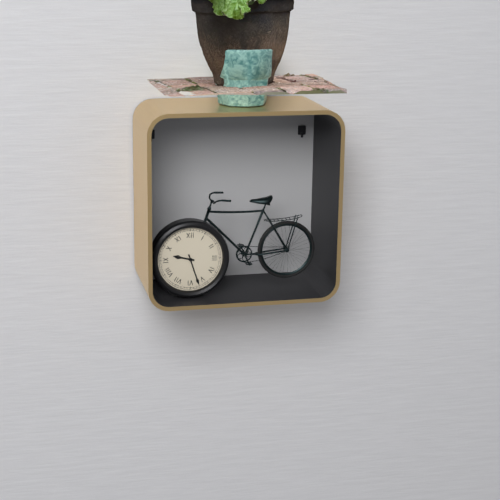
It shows 9,27
